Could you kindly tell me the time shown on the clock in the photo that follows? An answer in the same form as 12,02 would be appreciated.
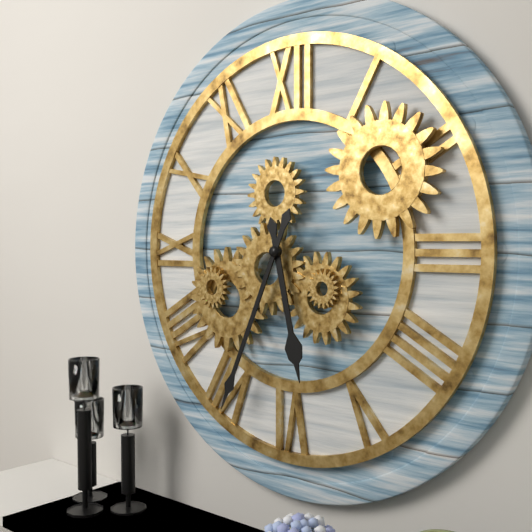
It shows 5,34
